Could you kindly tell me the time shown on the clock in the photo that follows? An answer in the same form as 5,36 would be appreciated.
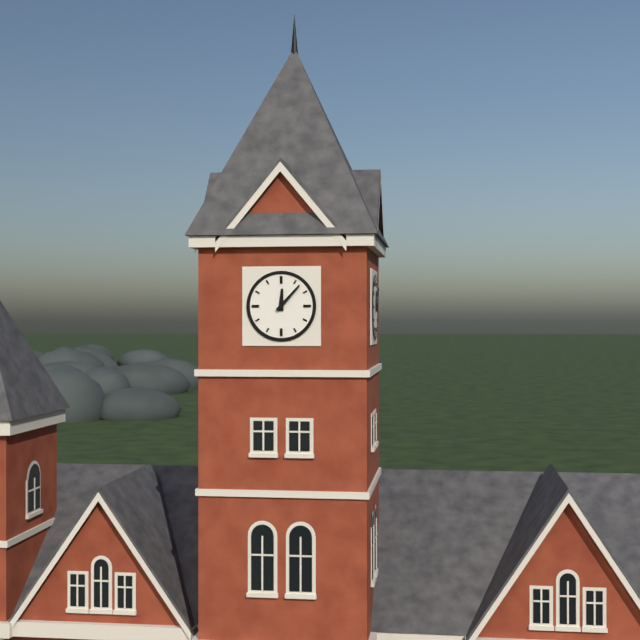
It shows 12,07
